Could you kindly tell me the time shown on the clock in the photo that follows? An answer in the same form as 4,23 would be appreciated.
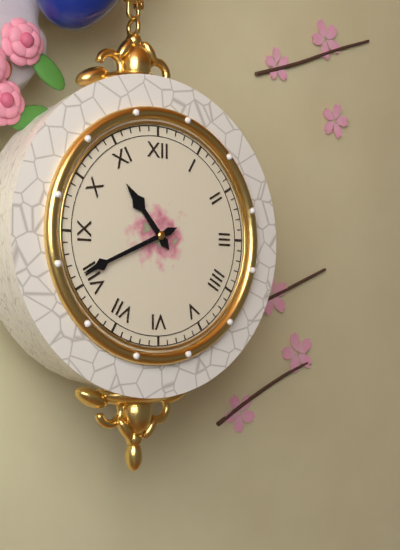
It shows 10,41
